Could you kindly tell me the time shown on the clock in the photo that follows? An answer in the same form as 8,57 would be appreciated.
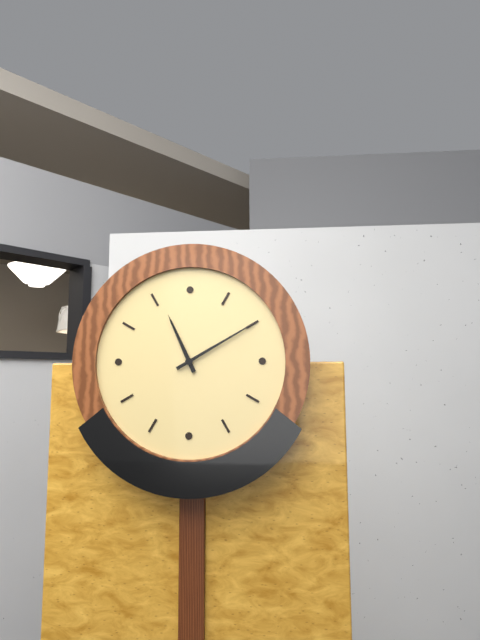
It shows 11,10
